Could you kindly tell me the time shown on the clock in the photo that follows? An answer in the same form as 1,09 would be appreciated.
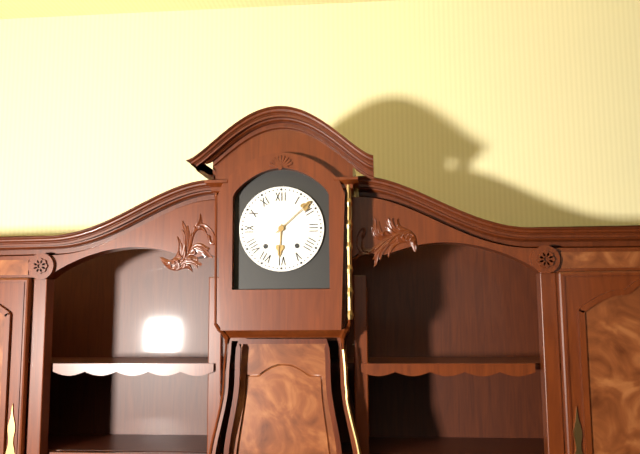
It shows 6,08
